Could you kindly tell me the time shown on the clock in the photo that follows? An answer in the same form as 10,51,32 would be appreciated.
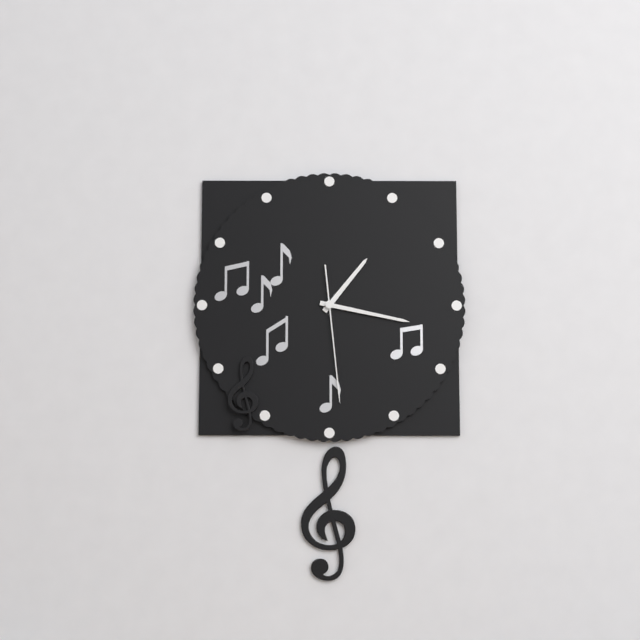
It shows 1,17,29
